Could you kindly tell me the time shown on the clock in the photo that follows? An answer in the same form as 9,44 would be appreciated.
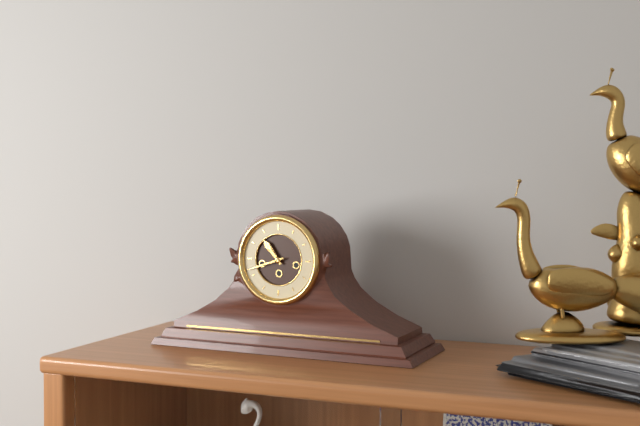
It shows 10,42
